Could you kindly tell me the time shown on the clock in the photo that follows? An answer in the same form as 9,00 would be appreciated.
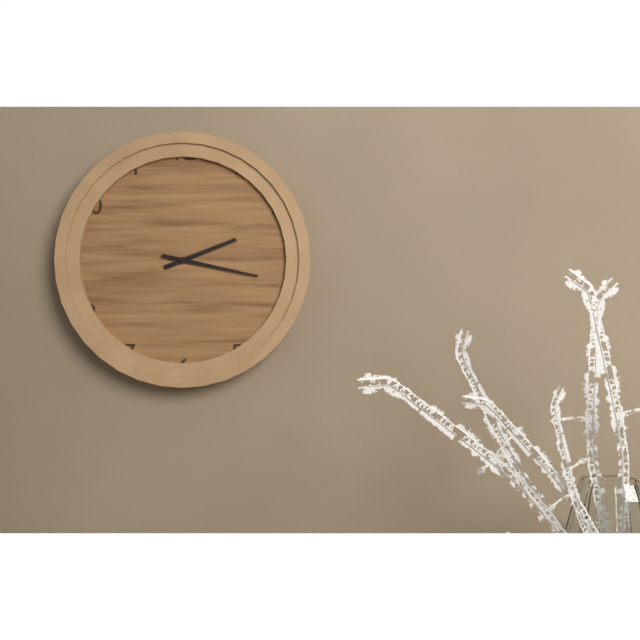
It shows 2,17
